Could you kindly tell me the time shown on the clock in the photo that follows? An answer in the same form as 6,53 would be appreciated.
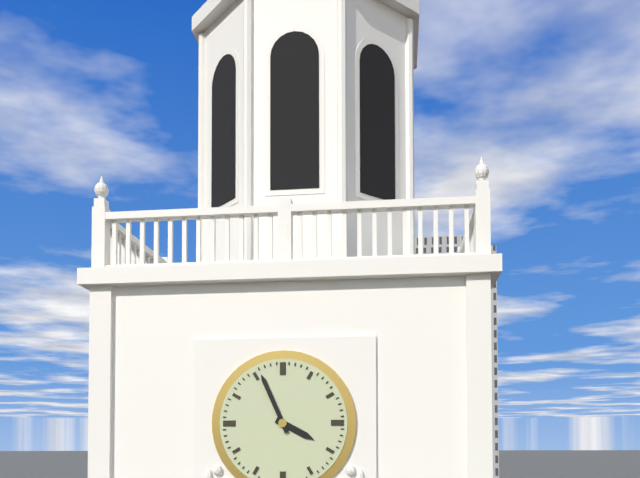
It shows 3,56
